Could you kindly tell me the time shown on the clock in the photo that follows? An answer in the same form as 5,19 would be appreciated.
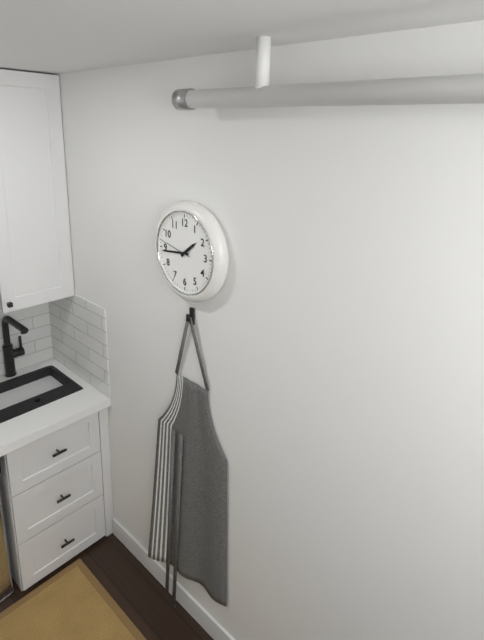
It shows 1,44
